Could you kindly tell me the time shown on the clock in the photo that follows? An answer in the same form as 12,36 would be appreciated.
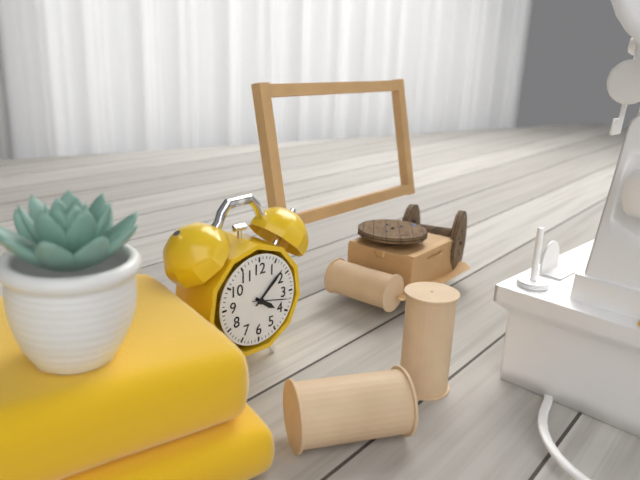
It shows 4,08
